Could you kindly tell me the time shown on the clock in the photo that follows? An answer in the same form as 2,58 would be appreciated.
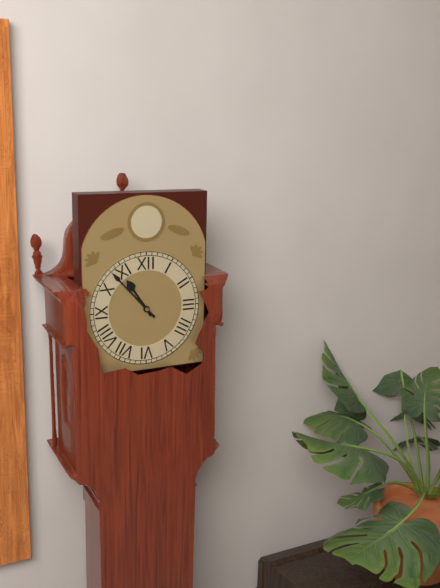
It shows 10,53
